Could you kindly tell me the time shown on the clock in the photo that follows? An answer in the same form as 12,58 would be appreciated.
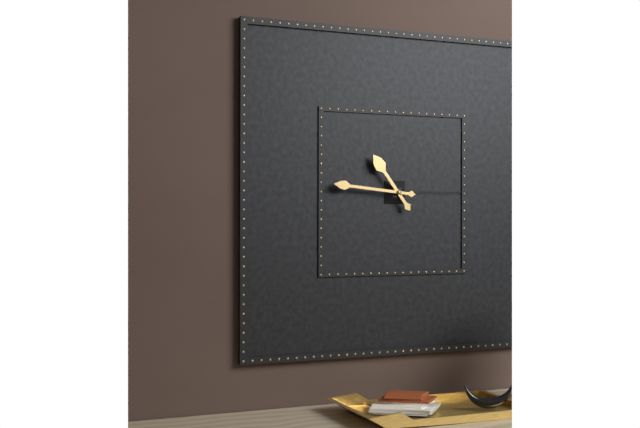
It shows 10,46
